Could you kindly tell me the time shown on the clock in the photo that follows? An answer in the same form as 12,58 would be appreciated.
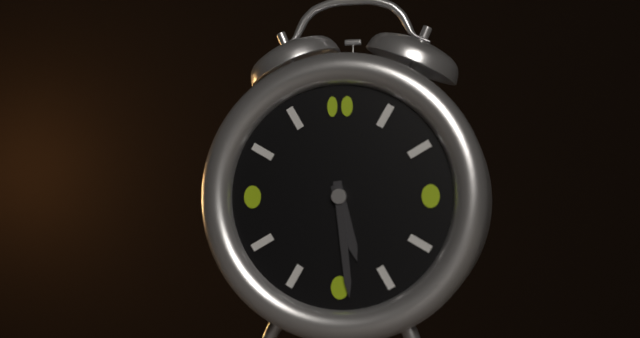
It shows 5,29
